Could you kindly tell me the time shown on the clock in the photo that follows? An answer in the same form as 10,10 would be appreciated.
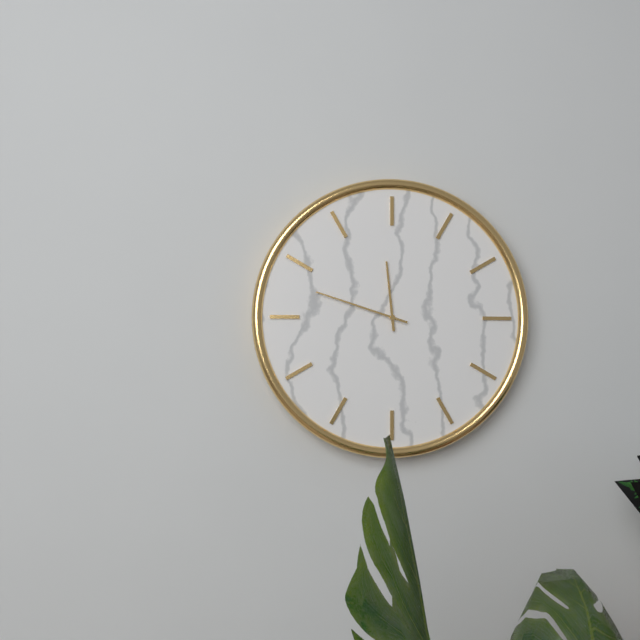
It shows 11,48
